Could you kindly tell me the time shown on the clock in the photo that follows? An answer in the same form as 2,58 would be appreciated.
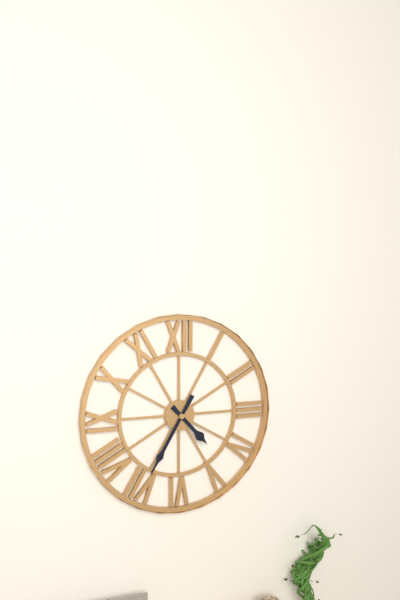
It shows 4,35
